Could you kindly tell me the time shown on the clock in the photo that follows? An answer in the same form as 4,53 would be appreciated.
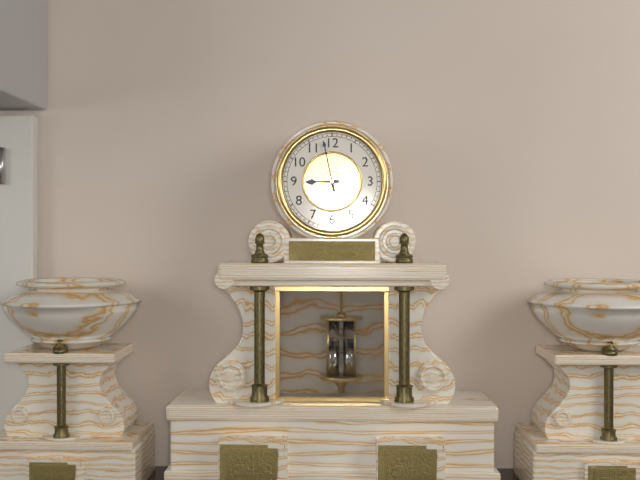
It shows 8,58
